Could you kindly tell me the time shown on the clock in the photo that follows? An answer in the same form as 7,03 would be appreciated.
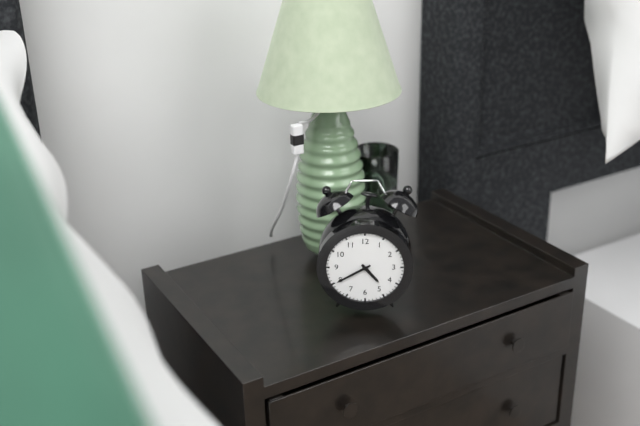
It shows 4,40
